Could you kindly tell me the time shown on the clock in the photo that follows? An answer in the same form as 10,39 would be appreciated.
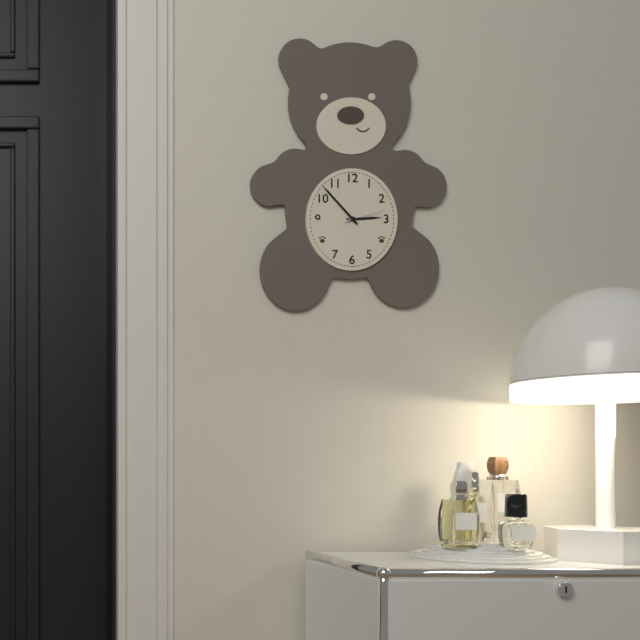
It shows 2,53
